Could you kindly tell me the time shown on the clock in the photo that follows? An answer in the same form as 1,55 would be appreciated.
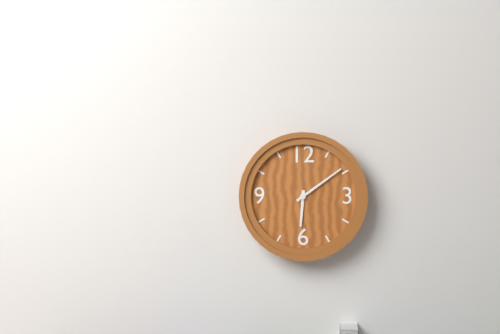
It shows 6,09
